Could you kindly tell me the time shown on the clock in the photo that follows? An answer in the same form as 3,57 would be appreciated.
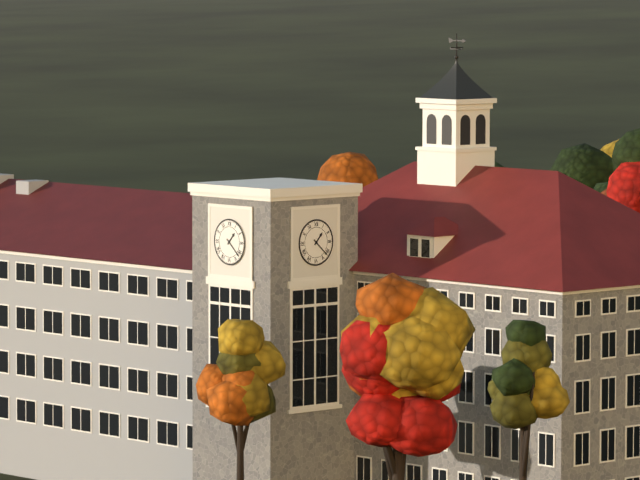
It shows 1,22
